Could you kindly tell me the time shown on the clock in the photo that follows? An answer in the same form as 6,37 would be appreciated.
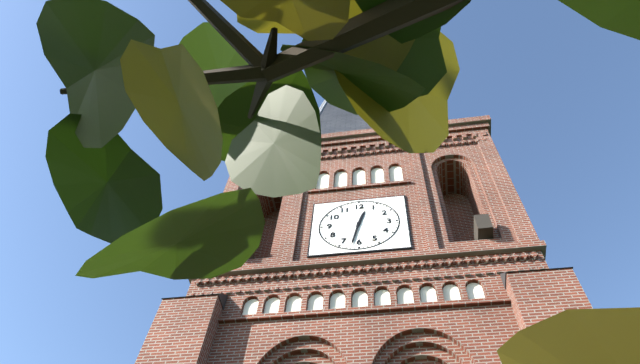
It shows 12,32
